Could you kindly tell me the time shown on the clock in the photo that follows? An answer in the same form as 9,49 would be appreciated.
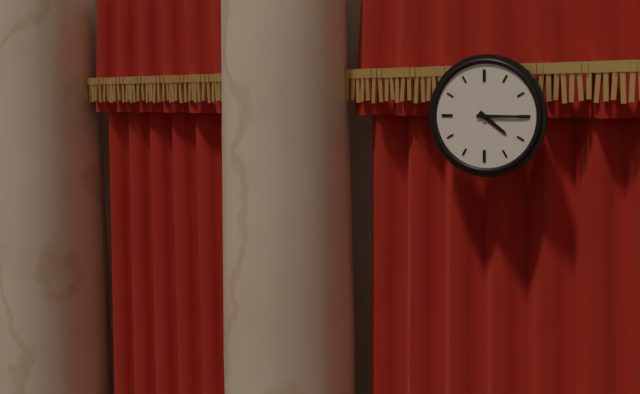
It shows 4,15
